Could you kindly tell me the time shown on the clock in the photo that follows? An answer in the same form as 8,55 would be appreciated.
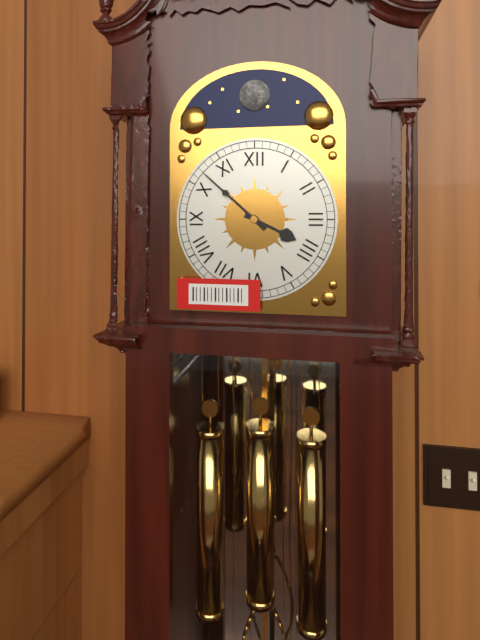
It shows 3,52
